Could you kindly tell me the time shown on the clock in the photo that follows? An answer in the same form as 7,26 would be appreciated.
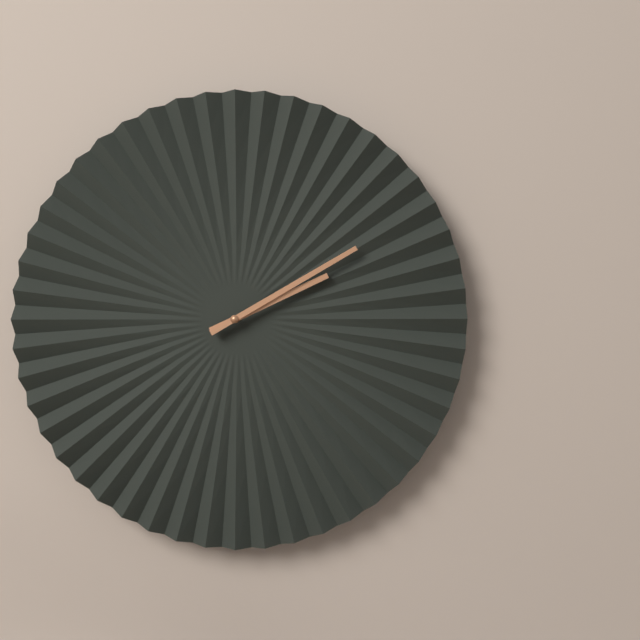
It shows 2,10
